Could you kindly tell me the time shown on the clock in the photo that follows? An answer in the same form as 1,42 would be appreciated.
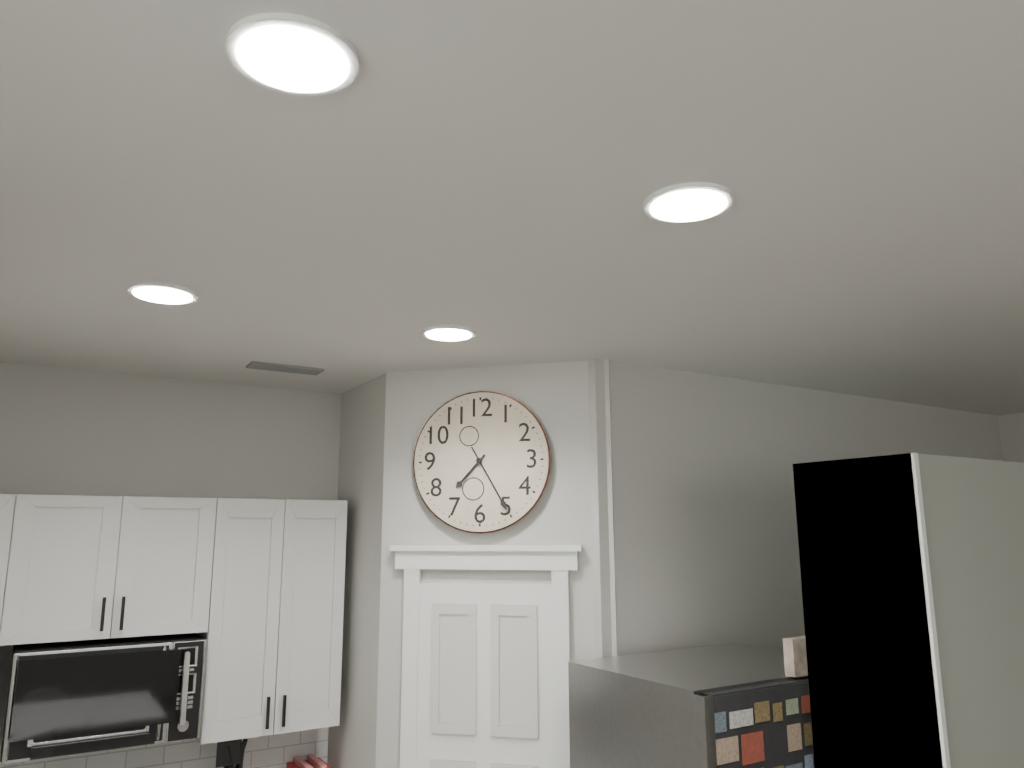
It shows 7,25
